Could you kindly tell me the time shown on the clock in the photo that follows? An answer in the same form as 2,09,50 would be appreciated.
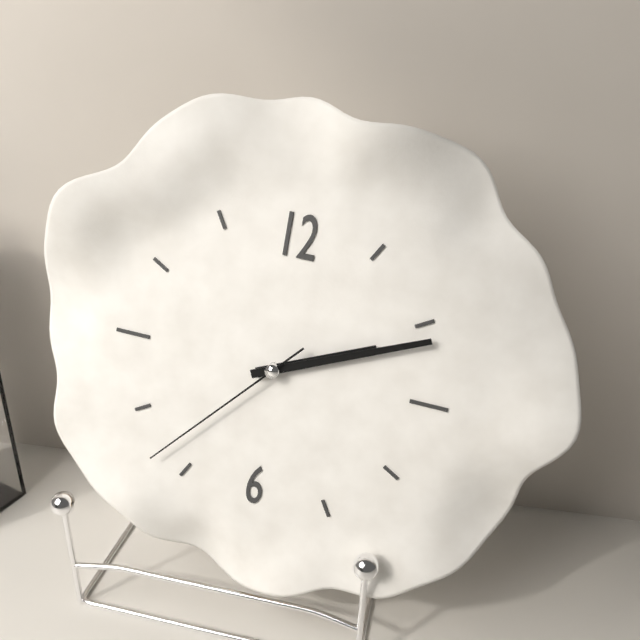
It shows 2,11,37
